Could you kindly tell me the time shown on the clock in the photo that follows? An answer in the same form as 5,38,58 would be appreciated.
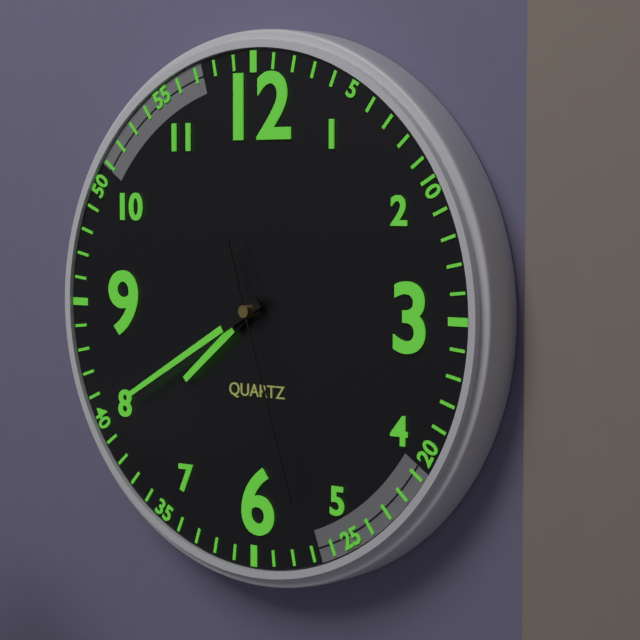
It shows 7,40,27
